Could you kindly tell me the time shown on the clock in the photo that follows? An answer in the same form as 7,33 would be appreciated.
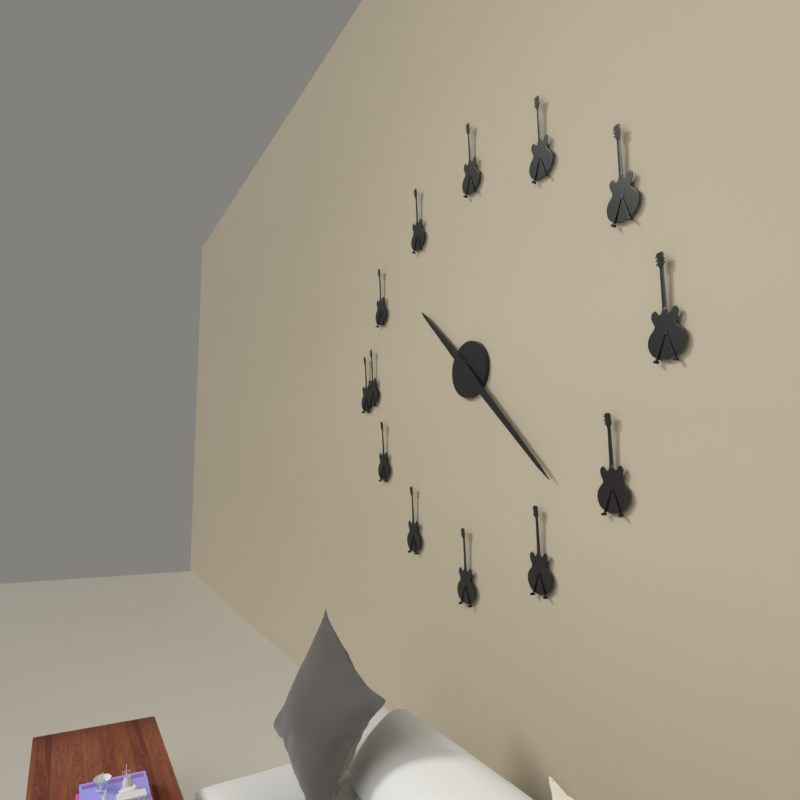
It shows 10,22
